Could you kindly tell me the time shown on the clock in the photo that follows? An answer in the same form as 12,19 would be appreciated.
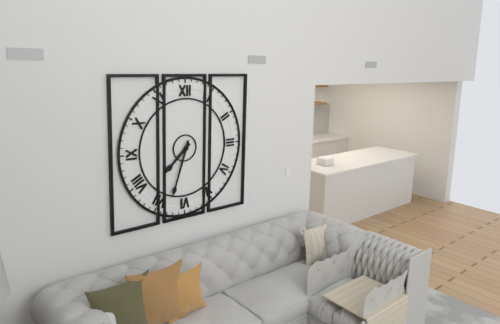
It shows 7,33
